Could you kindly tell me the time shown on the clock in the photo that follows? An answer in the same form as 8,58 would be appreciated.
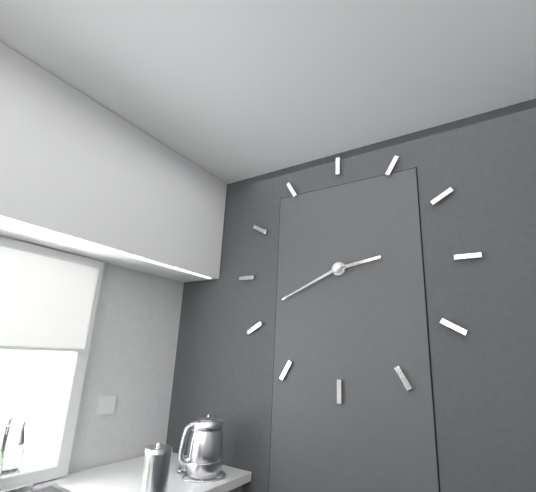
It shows 2,41
